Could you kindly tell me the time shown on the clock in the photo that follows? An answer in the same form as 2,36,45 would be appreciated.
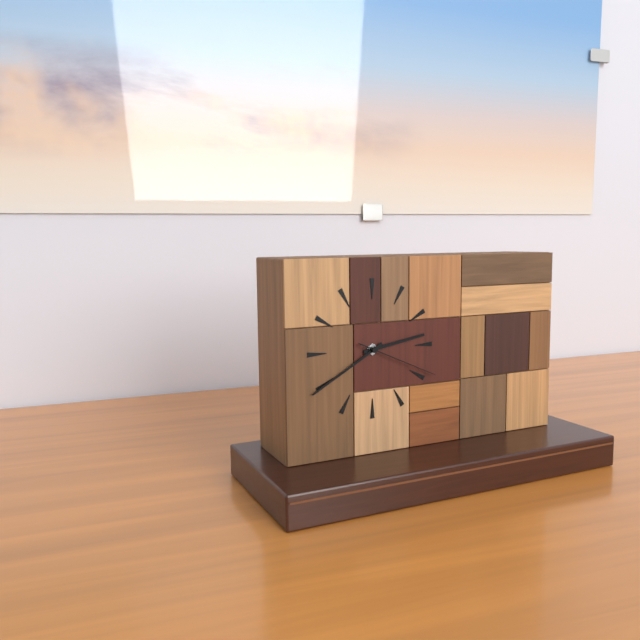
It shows 2,40,19
